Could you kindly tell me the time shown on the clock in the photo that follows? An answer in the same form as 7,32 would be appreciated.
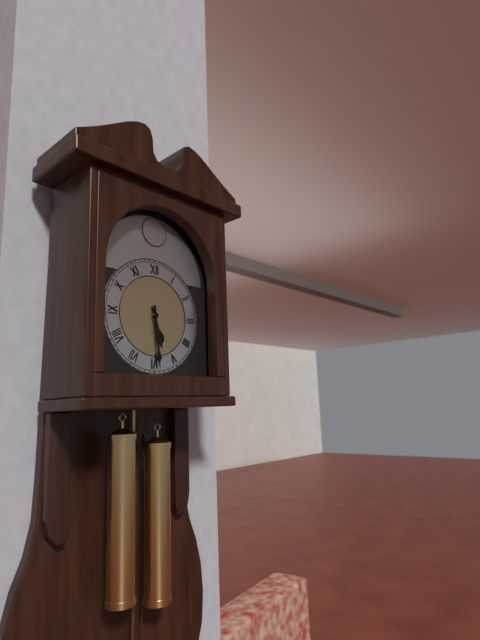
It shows 5,29
